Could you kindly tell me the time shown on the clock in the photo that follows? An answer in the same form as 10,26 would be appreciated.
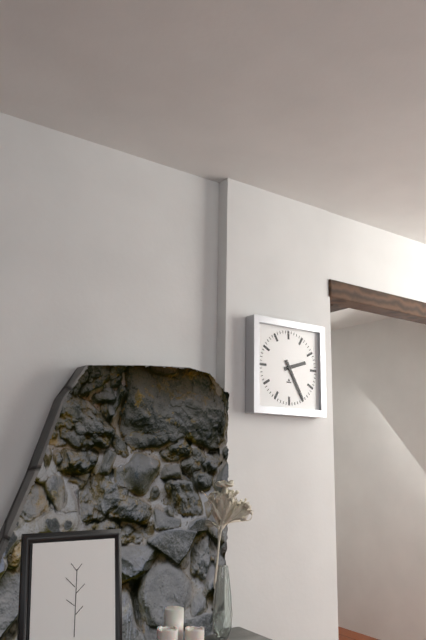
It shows 2,25
